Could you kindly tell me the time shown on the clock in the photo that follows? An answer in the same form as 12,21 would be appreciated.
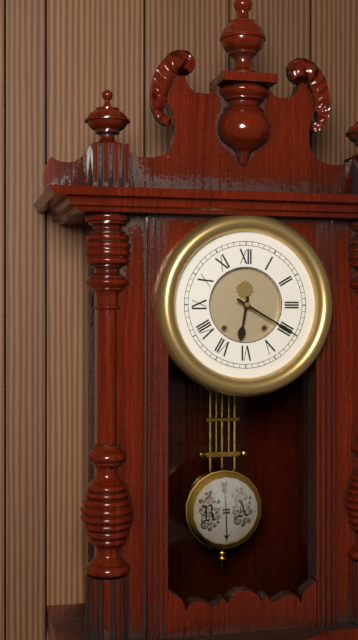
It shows 6,20
